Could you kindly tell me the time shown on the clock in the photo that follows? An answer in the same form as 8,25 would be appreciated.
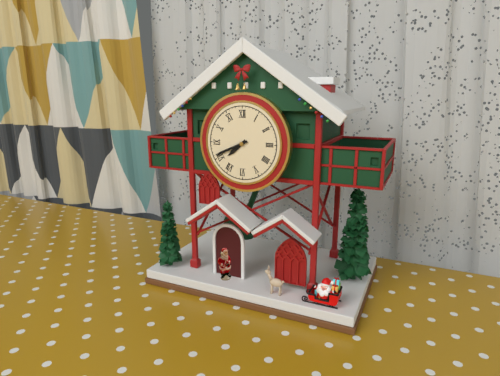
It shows 7,41
